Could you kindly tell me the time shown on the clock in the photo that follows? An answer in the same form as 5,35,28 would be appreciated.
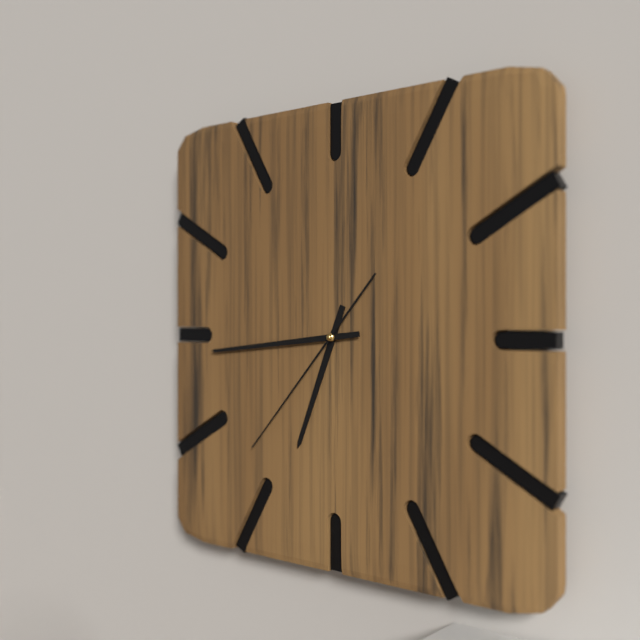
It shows 6,44,37
